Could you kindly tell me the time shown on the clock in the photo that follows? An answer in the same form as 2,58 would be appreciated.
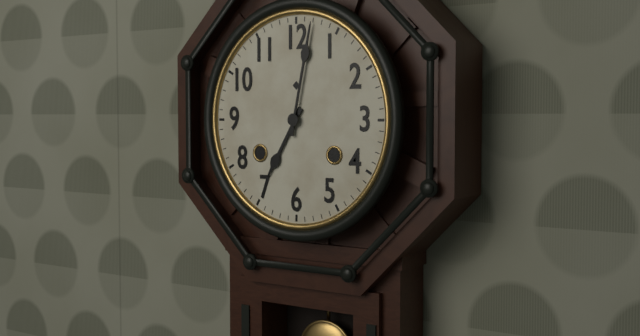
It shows 7,02
